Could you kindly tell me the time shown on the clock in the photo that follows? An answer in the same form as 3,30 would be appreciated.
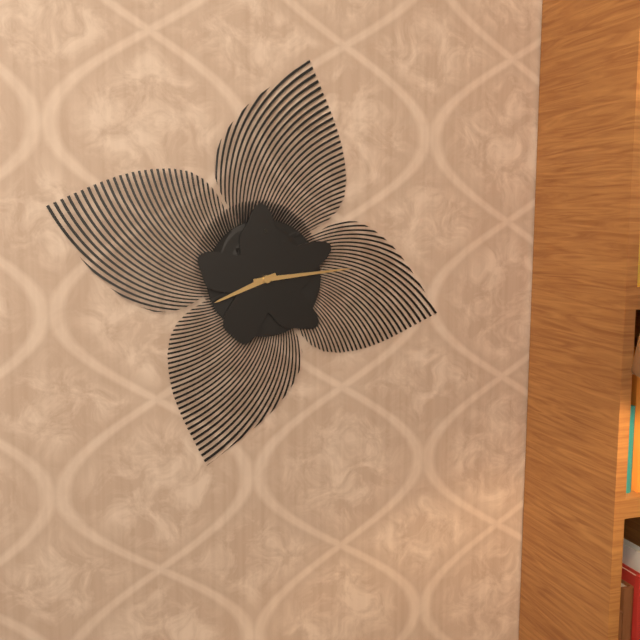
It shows 8,14
